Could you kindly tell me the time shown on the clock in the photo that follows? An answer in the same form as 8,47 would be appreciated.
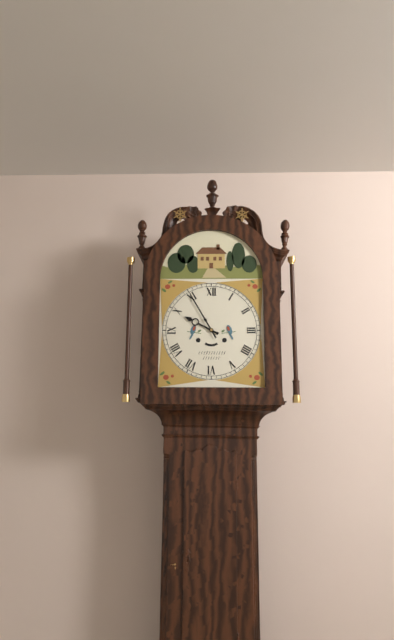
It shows 9,55
